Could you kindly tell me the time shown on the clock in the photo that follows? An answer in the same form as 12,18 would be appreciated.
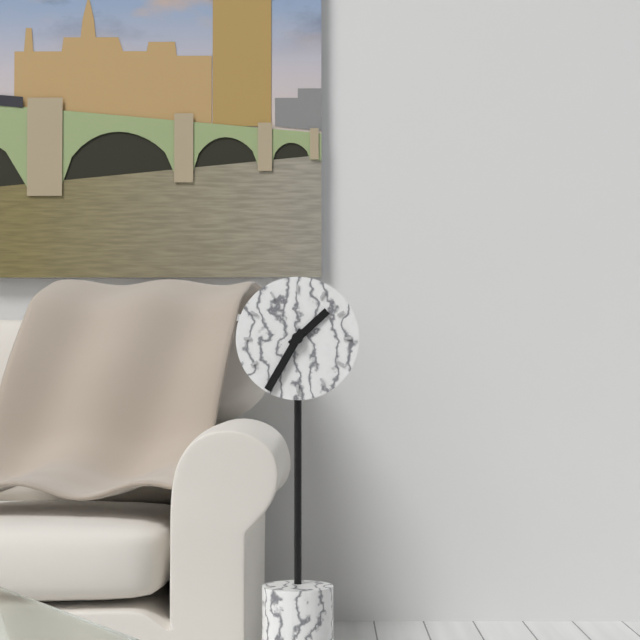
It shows 1,35
